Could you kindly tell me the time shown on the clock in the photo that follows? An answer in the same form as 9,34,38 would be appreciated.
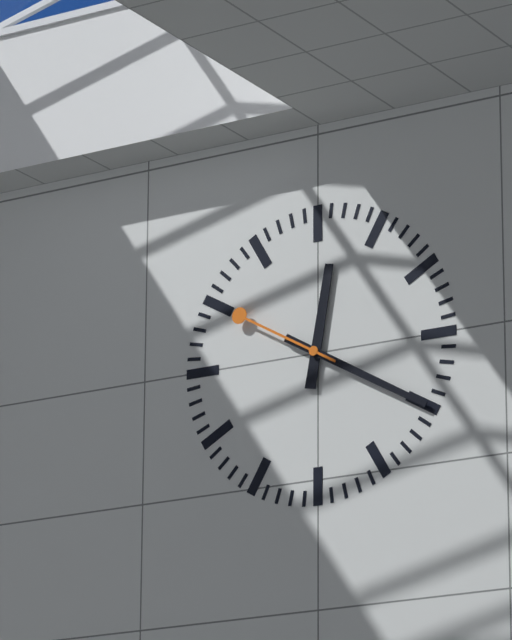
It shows 12,20,50
